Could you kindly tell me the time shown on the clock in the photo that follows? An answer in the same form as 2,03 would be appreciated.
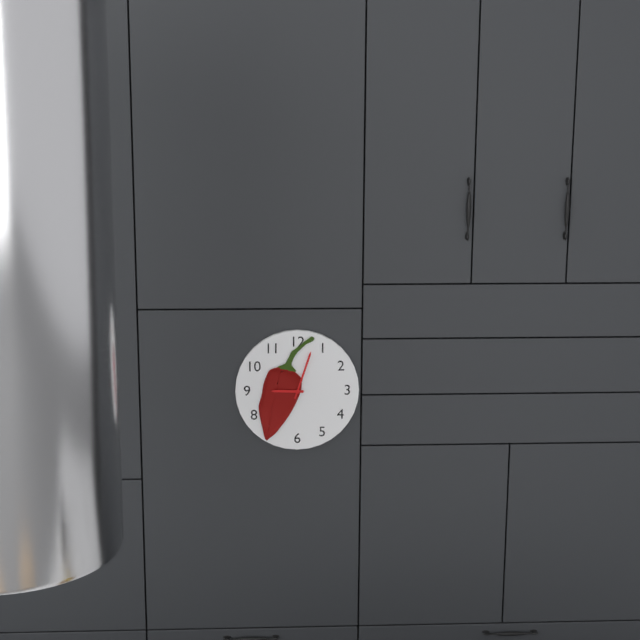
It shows 9,03
